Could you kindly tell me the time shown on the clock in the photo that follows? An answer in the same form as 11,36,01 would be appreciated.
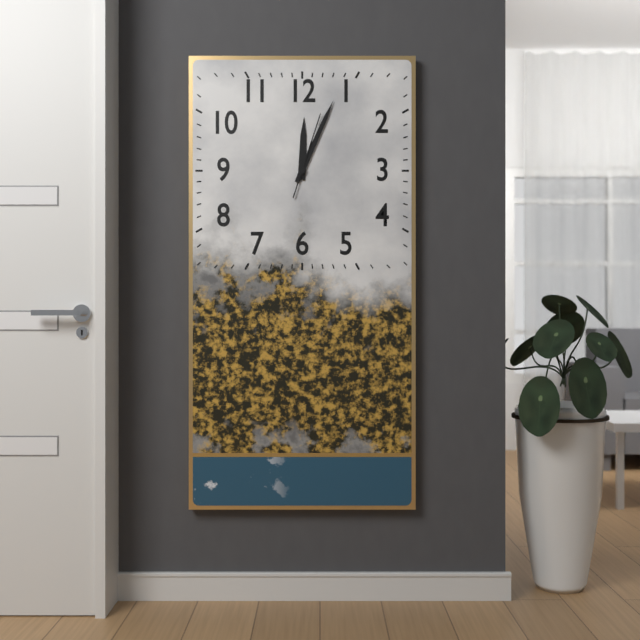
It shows 12,04,03
